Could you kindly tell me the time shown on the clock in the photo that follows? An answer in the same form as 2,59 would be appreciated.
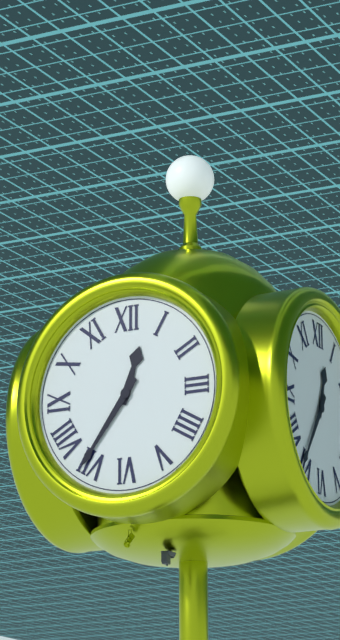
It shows 12,36
